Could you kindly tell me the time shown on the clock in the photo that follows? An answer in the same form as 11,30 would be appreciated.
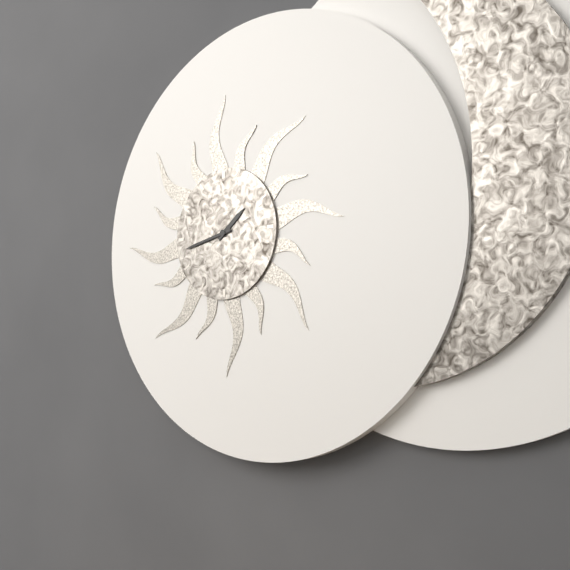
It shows 1,43
